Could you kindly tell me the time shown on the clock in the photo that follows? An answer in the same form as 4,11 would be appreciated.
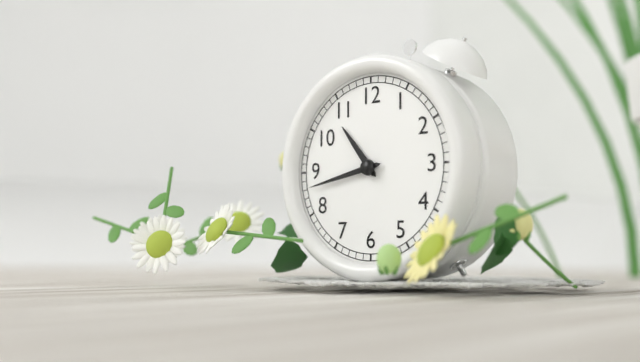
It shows 10,43
